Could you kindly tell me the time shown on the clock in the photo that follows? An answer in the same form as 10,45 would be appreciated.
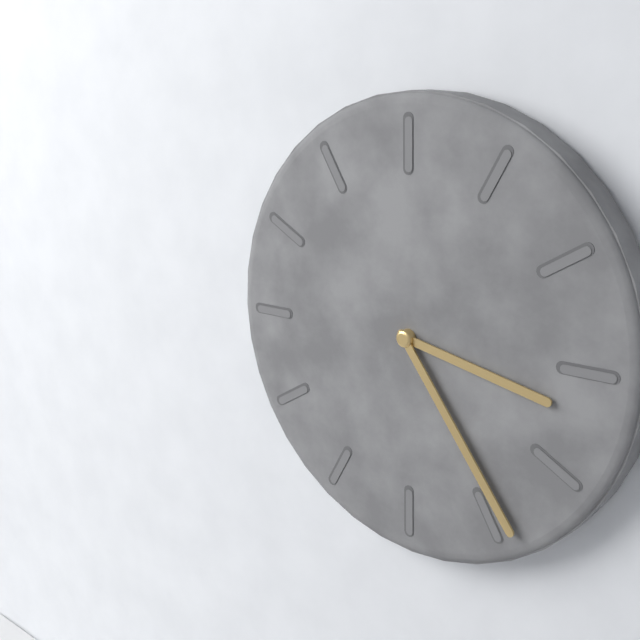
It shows 3,24
